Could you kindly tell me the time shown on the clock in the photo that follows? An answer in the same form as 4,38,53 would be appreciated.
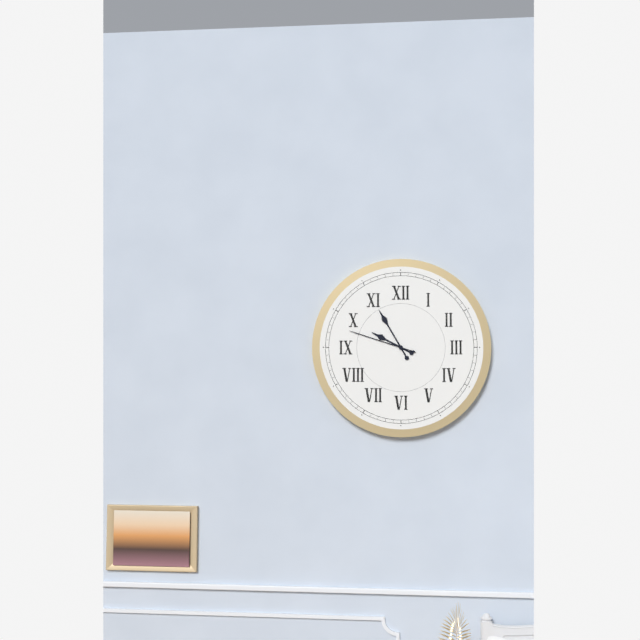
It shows 9,55,48
